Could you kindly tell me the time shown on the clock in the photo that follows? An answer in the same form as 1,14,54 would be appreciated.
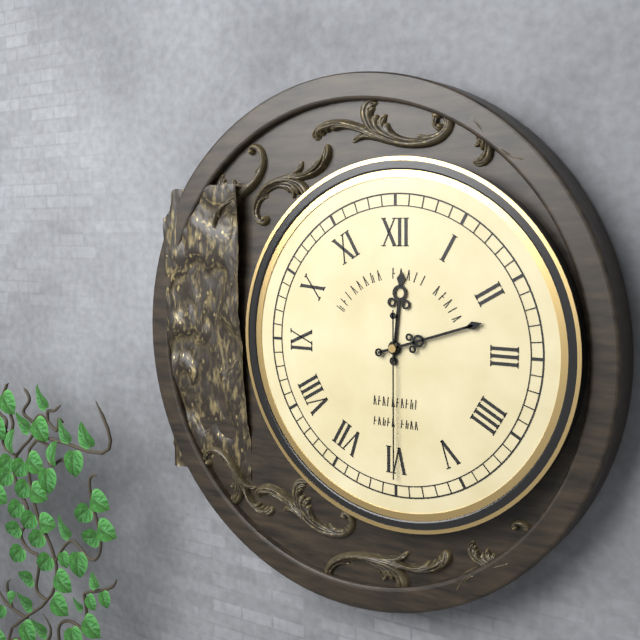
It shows 12,12,30
